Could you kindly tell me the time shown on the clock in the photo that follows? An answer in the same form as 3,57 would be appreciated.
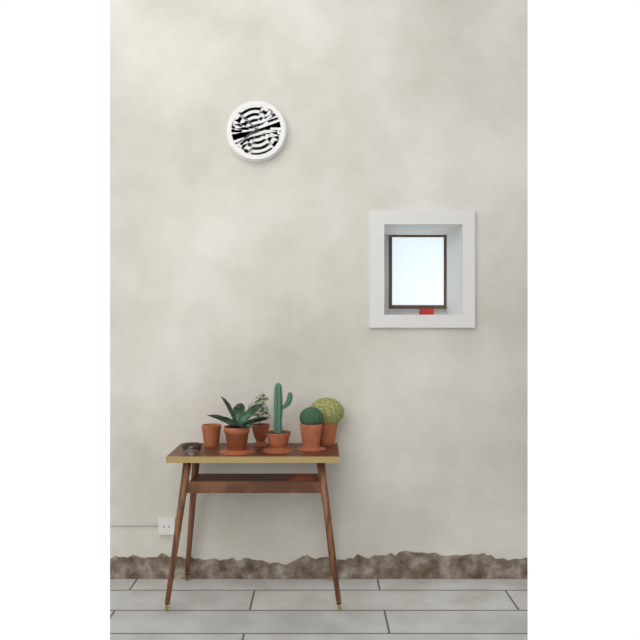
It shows 10,39
